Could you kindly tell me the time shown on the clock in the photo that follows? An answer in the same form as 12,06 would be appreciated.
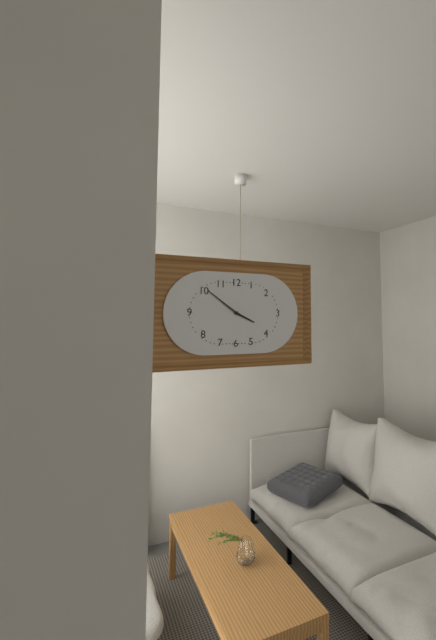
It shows 3,51
